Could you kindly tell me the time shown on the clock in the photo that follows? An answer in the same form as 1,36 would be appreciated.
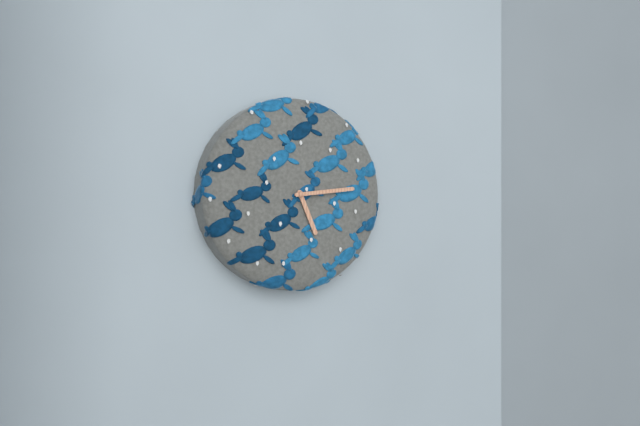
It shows 5,14
